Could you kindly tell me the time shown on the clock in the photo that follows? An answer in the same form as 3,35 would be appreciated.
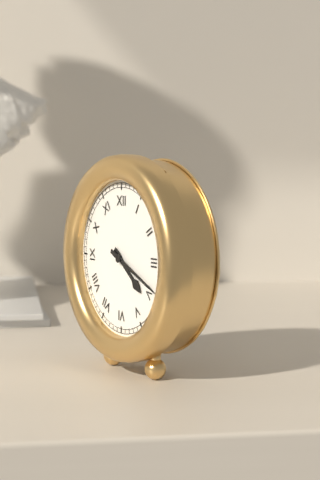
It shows 4,19
